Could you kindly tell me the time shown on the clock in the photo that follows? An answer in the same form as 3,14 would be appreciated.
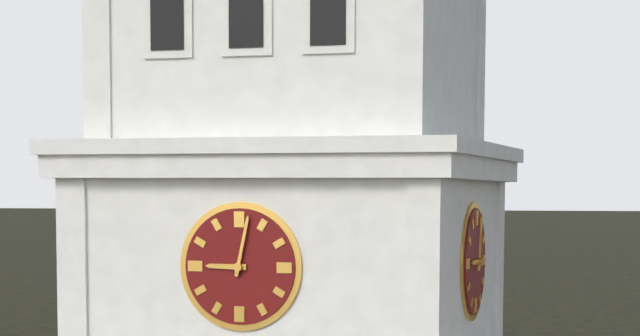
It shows 9,02
